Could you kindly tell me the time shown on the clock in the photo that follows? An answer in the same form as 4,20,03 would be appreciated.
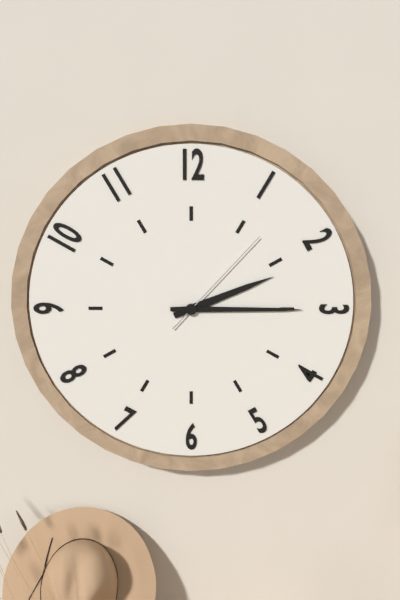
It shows 2,15,07
